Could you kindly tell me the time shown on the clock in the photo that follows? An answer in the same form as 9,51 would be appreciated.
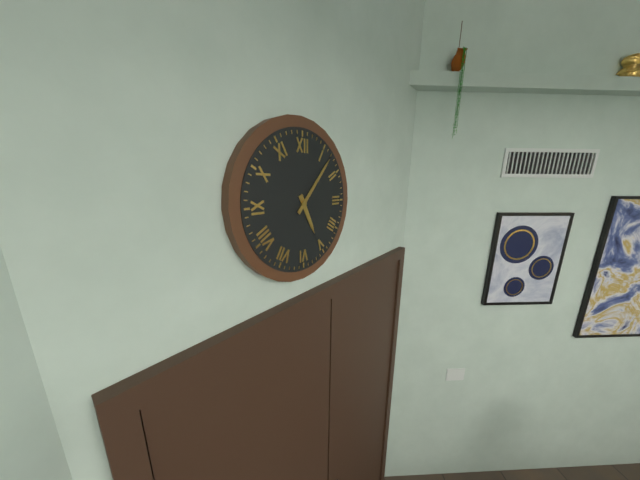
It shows 5,07
